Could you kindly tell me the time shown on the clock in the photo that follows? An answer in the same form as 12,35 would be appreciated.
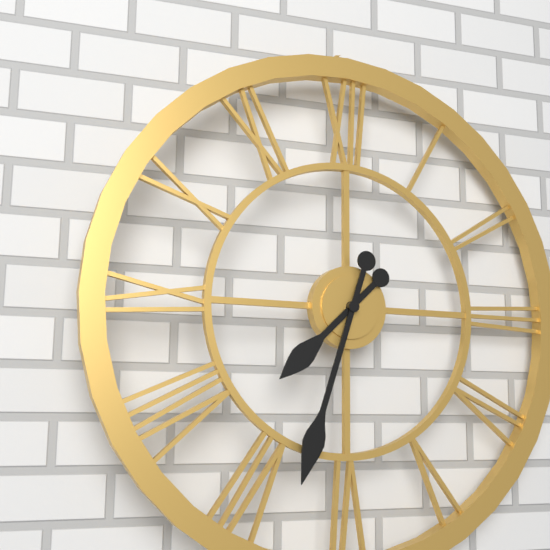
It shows 7,33
